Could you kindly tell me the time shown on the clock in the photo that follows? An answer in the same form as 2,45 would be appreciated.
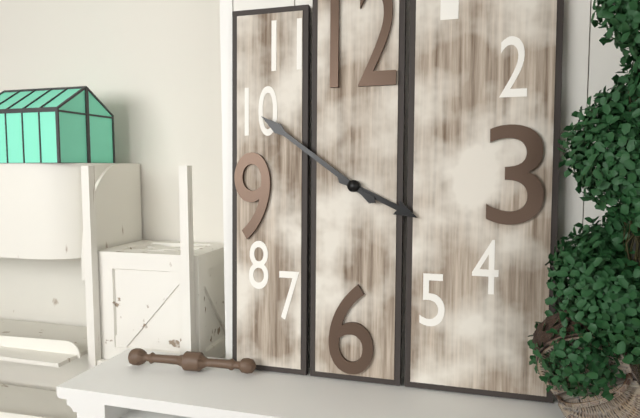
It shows 3,51
